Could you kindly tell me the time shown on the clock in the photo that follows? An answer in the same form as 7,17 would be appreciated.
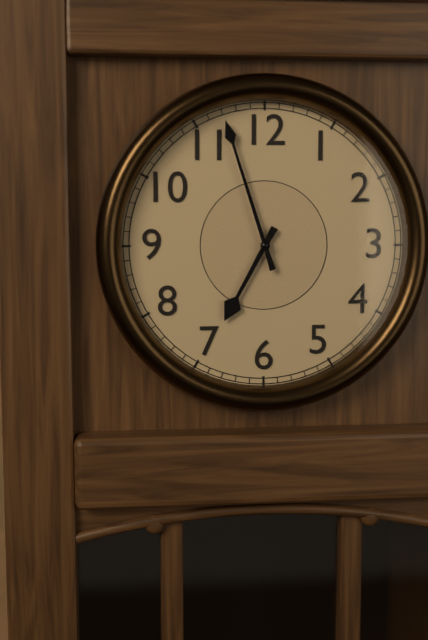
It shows 6,57
